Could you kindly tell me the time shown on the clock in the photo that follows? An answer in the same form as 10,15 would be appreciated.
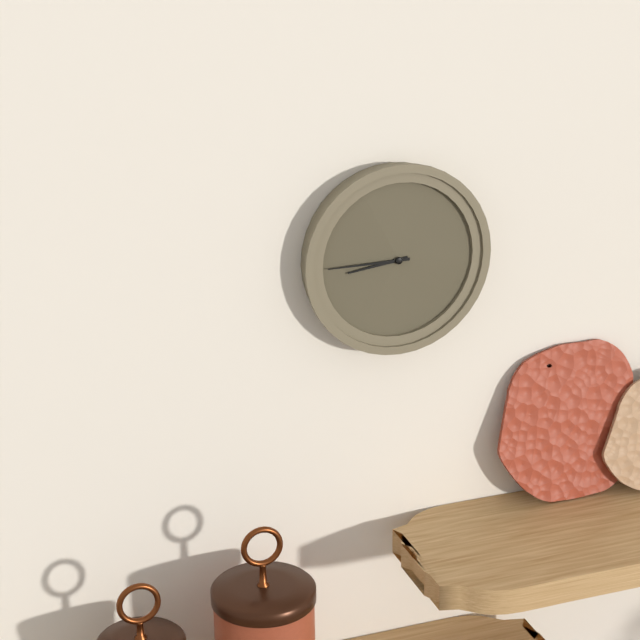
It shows 8,45
